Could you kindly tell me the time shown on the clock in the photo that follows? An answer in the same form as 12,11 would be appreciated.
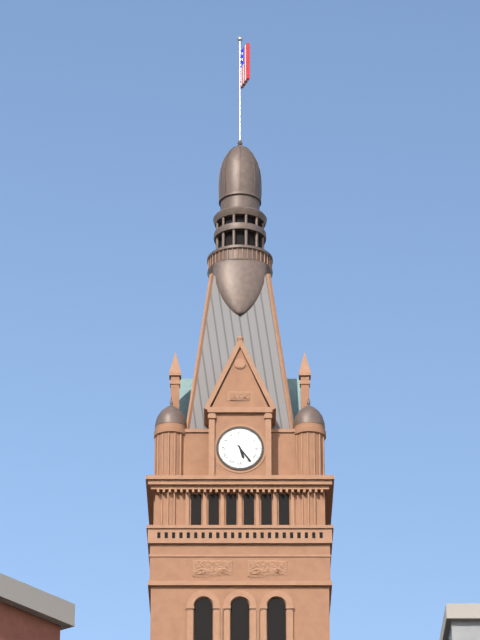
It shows 5,24
